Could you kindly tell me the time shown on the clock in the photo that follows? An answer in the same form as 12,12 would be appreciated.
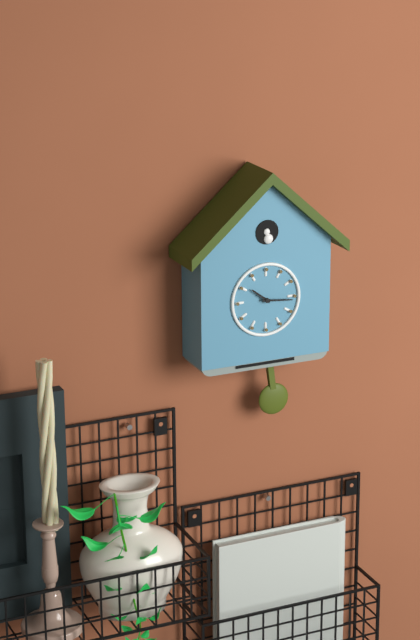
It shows 10,16
